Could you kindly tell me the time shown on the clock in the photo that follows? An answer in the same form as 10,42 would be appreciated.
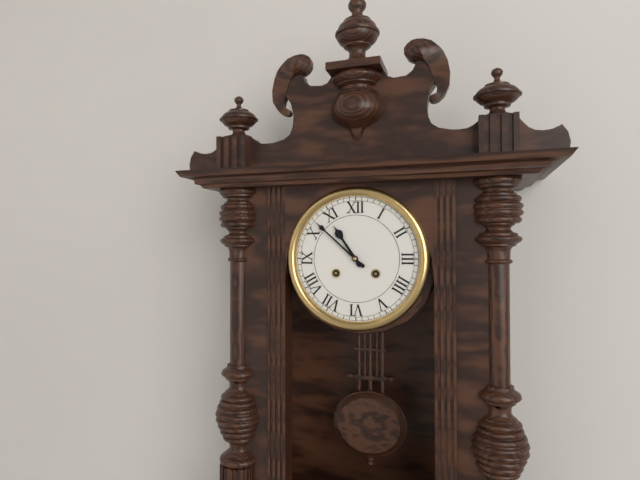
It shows 10,52
